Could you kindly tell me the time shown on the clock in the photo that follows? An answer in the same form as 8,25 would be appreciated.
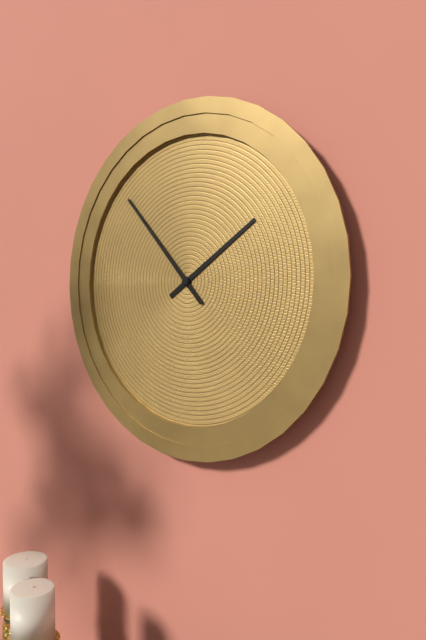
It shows 1,53
